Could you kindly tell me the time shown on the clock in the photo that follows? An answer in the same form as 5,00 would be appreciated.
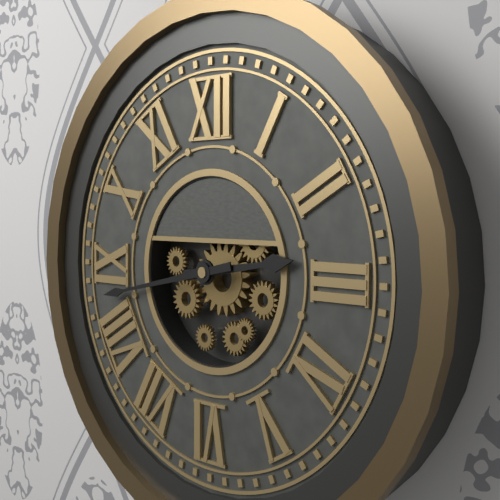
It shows 2,43
